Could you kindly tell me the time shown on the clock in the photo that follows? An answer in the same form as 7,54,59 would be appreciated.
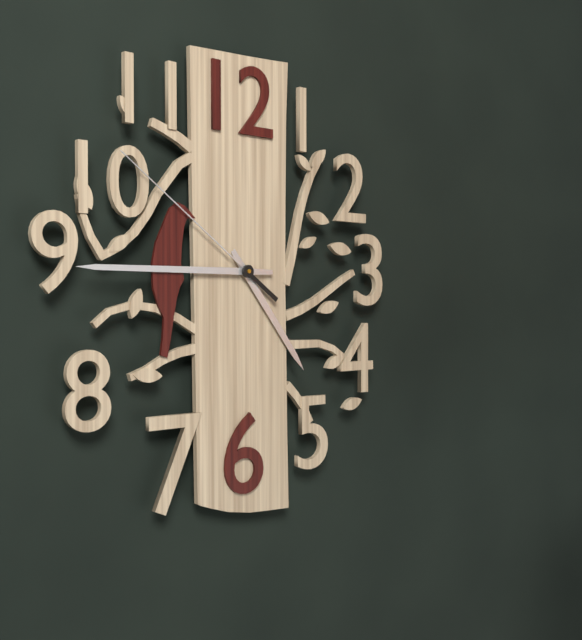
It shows 4,45,51
